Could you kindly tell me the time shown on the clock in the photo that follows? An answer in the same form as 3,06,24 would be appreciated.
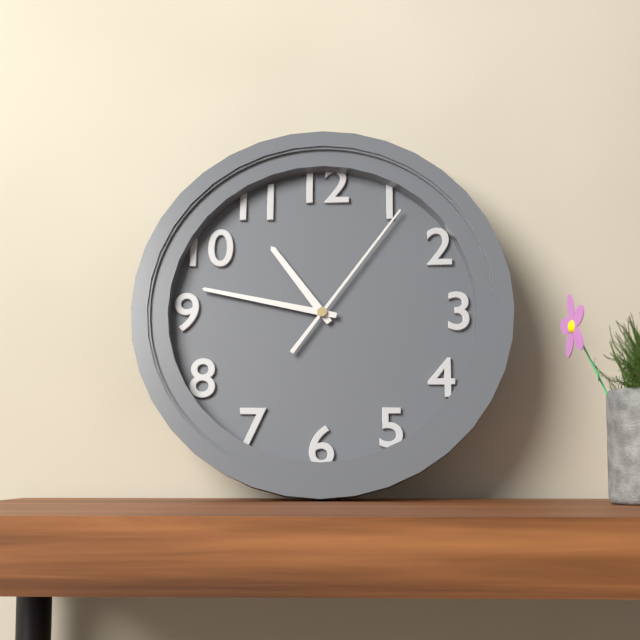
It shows 10,47,06
